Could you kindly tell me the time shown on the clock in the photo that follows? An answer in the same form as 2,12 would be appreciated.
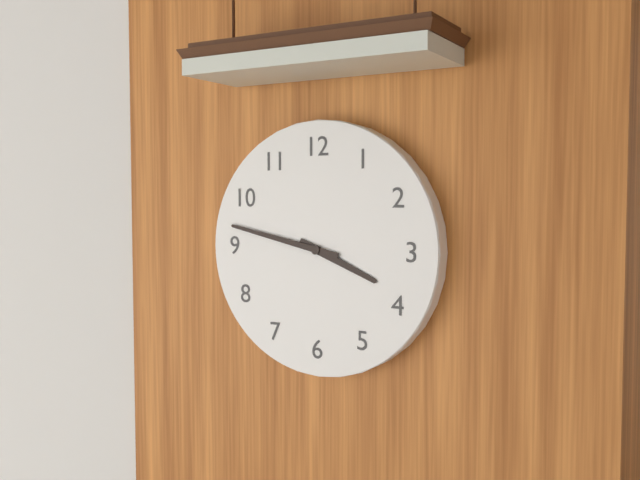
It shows 3,47
